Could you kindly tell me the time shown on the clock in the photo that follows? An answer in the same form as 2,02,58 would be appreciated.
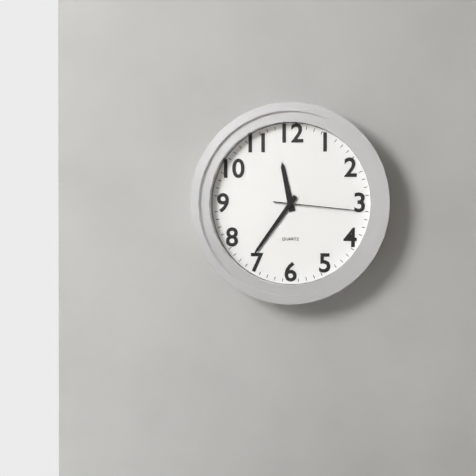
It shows 11,36,16
